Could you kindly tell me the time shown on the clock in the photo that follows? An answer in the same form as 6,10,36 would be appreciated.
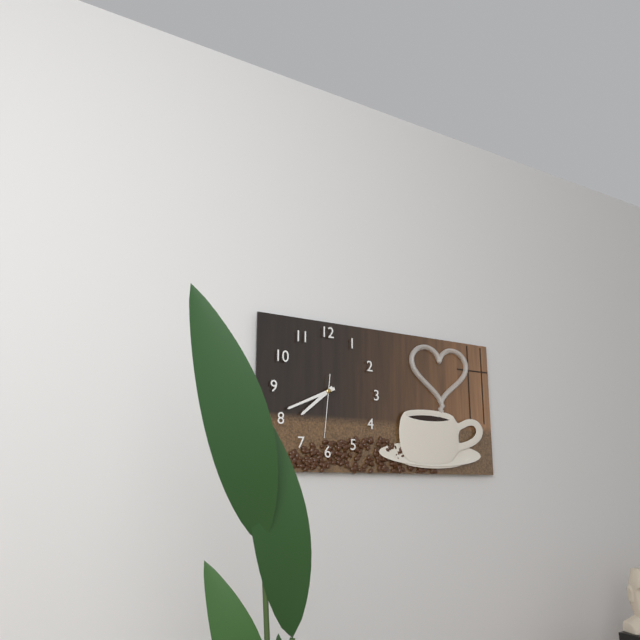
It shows 7,41,31
